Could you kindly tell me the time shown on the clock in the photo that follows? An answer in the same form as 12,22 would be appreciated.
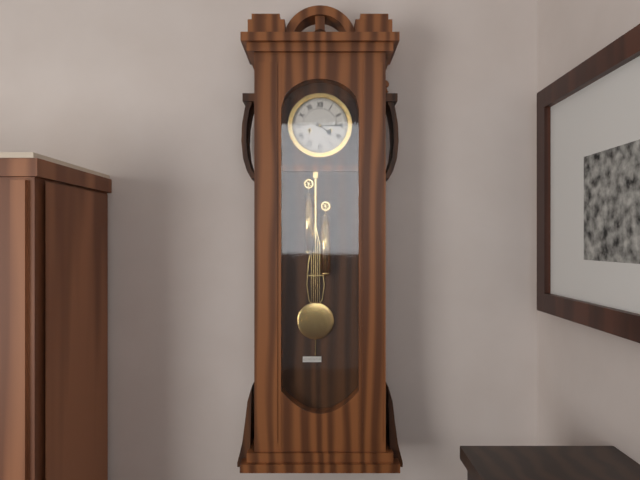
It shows 4,15
